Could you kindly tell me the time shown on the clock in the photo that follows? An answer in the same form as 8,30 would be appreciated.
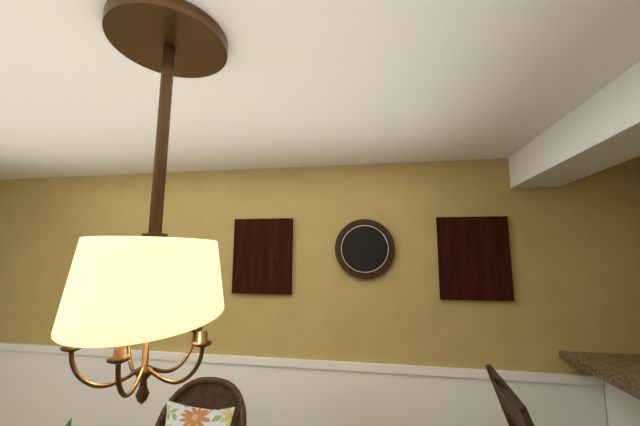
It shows 10,15
